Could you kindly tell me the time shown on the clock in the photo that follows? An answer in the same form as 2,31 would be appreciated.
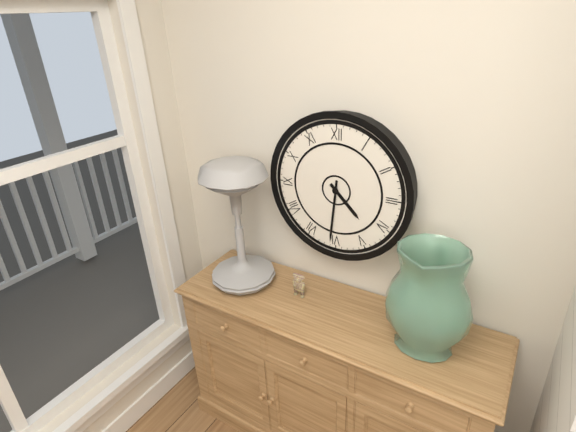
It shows 4,31
